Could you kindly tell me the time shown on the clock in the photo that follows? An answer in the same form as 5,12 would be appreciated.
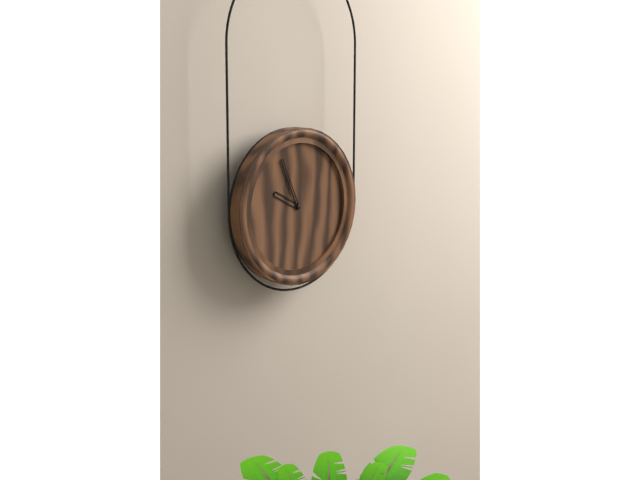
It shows 9,56
